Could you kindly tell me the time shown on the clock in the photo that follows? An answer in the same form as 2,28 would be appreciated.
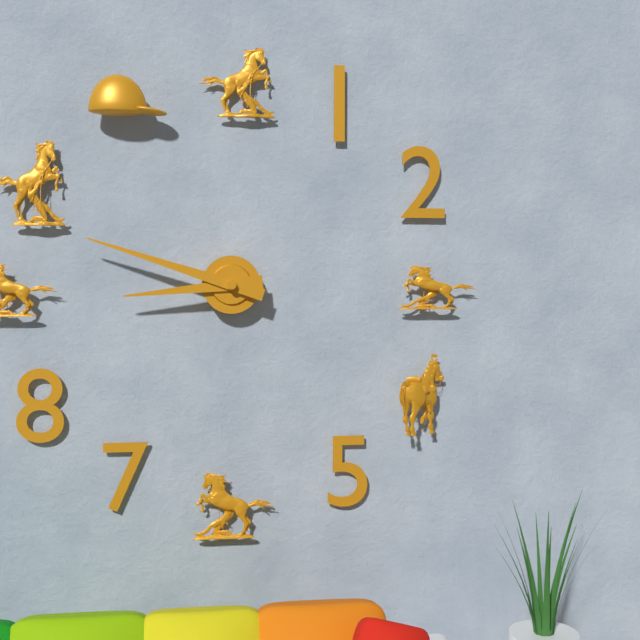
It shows 8,48
